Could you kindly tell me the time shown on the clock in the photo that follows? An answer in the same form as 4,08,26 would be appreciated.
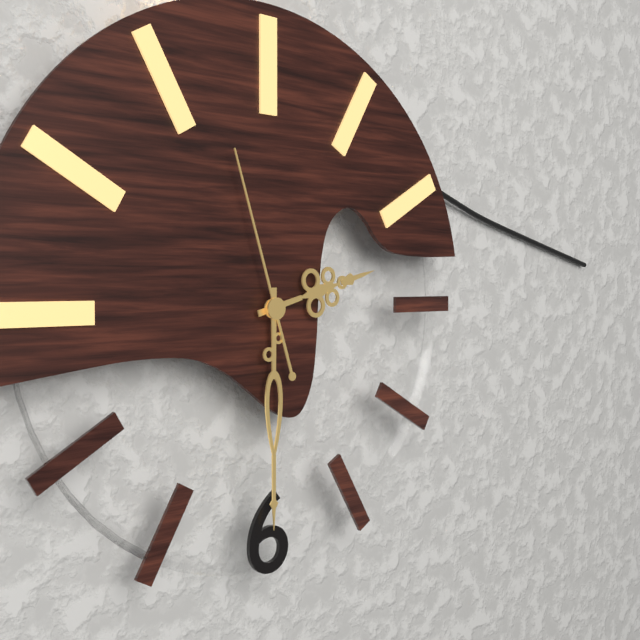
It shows 2,30,57
